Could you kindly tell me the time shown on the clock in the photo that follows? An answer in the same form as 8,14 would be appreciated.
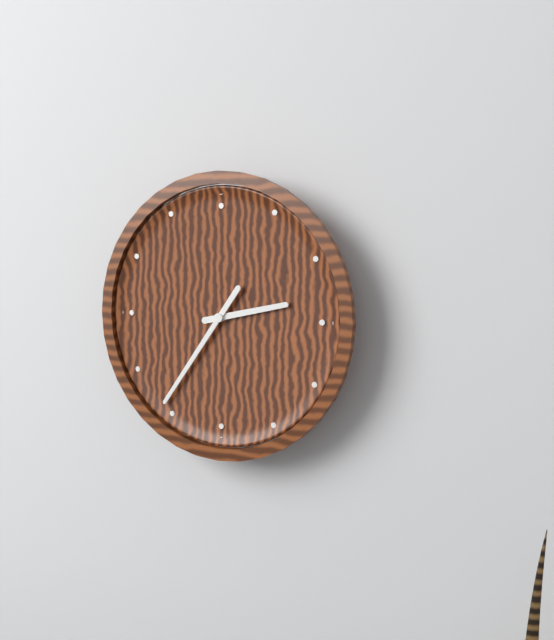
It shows 2,36
